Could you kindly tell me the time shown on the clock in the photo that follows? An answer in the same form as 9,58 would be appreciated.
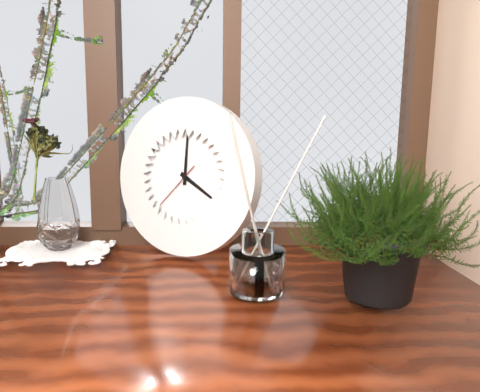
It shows 4,00
